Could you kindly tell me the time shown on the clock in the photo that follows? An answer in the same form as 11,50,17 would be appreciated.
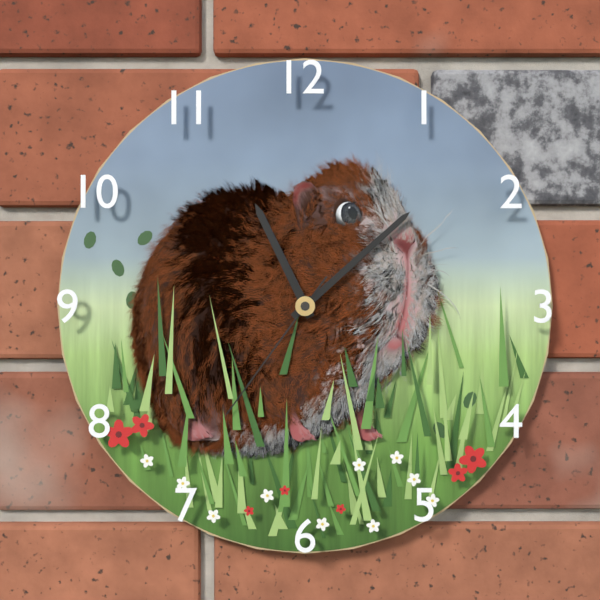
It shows 11,08,36
